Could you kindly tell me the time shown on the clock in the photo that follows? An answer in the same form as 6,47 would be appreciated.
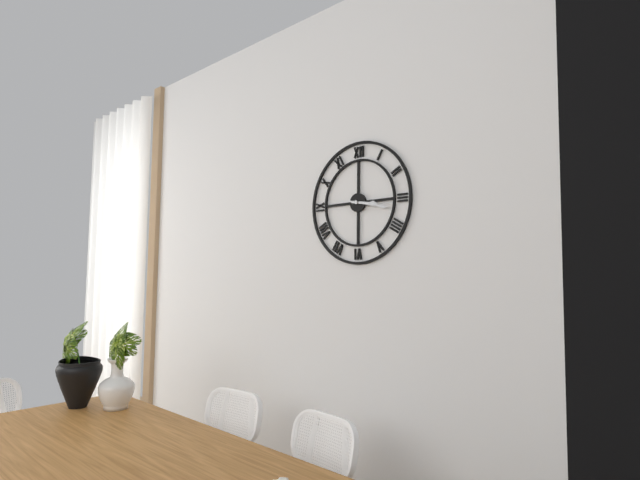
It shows 3,17
